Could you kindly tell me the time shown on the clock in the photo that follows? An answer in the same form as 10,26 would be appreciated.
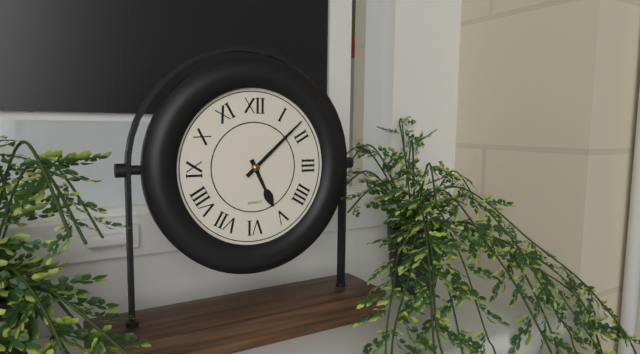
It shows 5,08
